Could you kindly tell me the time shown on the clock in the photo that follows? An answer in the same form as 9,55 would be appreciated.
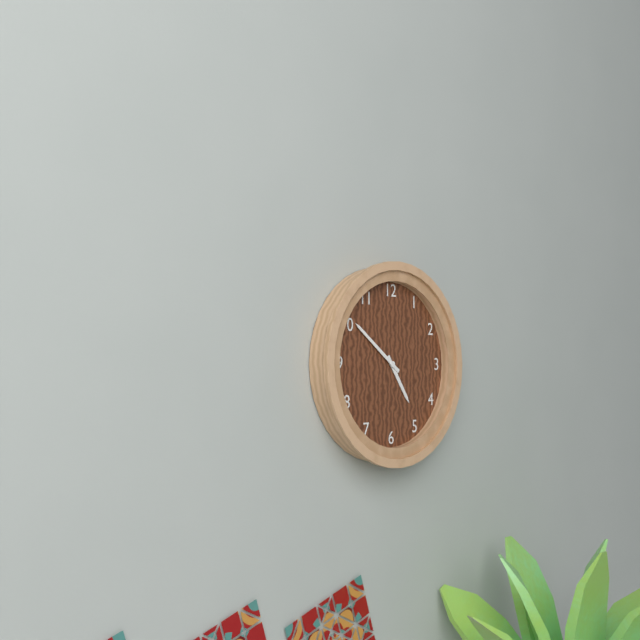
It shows 4,51
